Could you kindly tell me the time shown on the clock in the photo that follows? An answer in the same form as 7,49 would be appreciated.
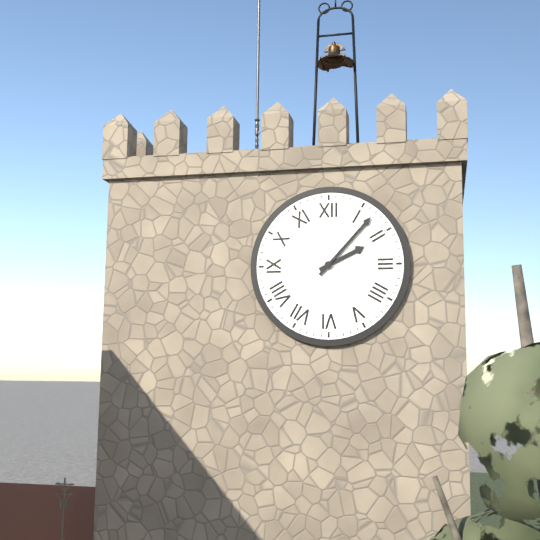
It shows 2,07
